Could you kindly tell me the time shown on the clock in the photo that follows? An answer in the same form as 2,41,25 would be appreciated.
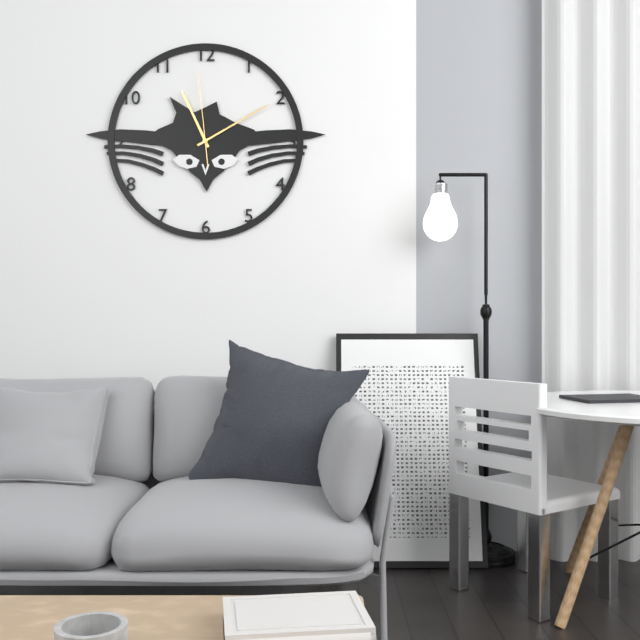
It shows 11,10,59
